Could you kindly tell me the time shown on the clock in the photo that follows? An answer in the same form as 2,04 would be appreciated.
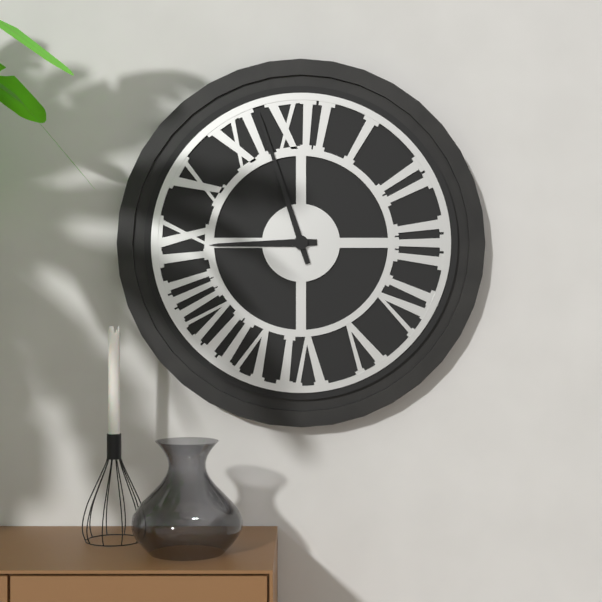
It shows 8,57
